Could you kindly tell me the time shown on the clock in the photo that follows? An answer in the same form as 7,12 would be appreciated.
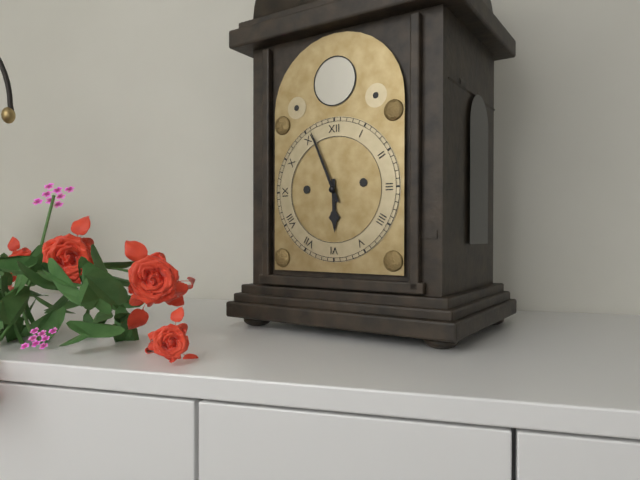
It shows 5,56
